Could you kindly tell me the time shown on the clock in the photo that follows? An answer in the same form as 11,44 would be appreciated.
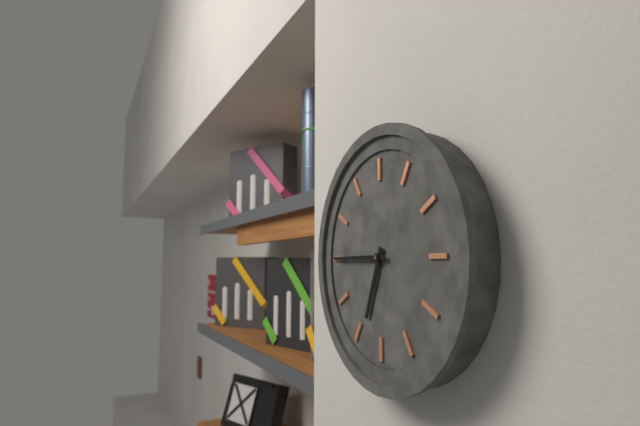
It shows 6,45
